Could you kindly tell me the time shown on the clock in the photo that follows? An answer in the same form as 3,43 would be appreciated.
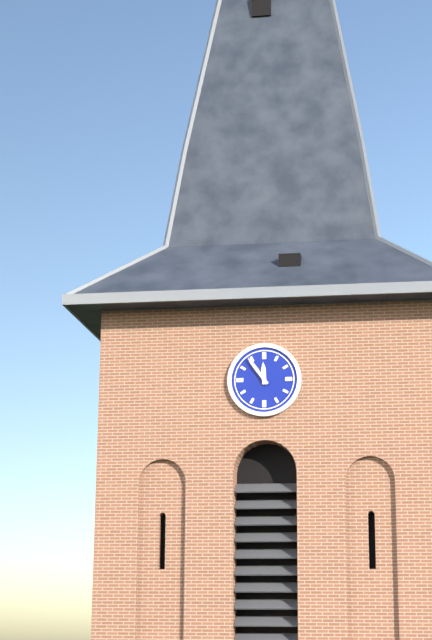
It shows 11,54
